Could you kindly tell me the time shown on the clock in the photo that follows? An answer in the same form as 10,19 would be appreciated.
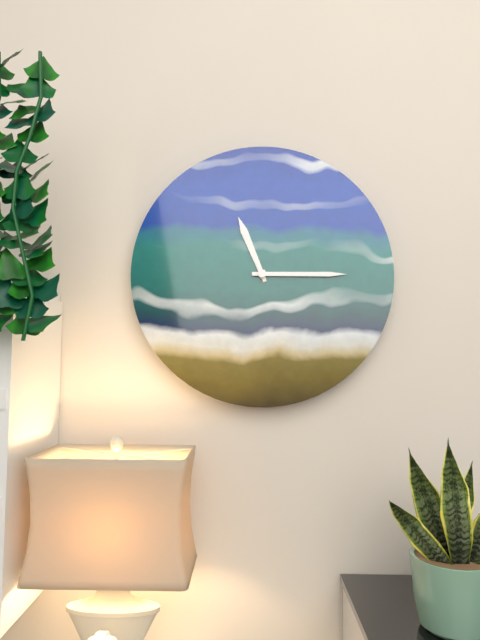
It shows 11,15
